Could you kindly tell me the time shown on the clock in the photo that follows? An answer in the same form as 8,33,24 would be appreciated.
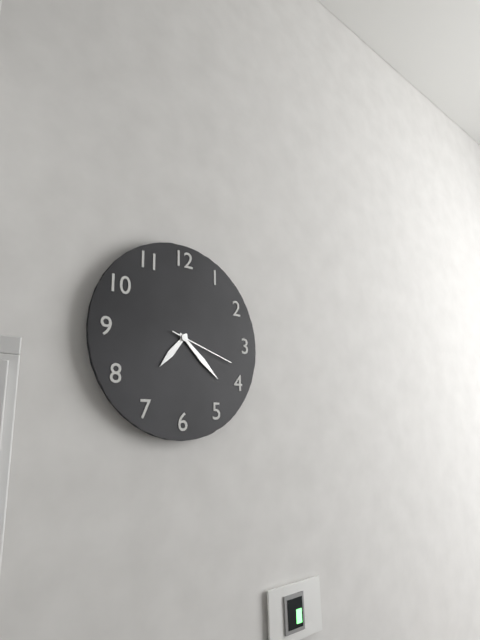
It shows 7,22,18
